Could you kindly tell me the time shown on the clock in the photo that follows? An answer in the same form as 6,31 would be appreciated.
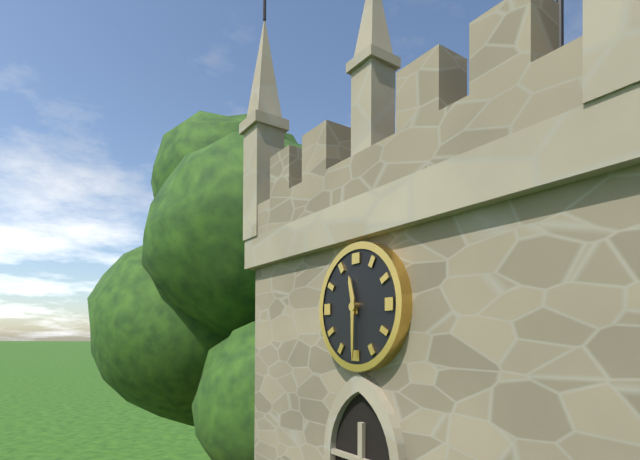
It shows 11,30
